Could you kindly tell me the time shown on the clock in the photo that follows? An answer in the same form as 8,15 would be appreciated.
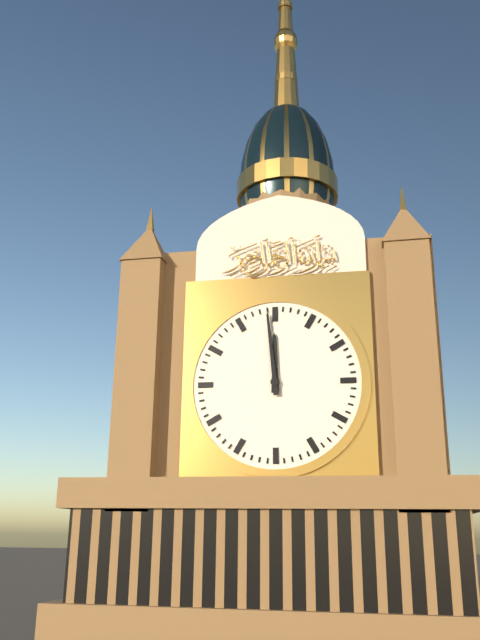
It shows 11,59
